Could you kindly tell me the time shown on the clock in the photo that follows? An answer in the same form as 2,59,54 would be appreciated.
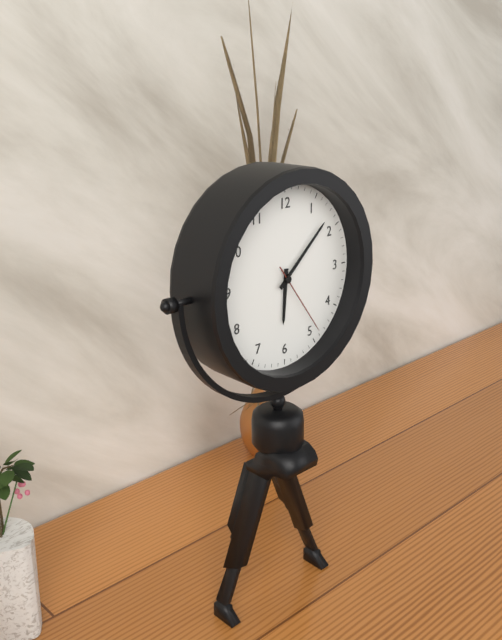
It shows 6,08,24
